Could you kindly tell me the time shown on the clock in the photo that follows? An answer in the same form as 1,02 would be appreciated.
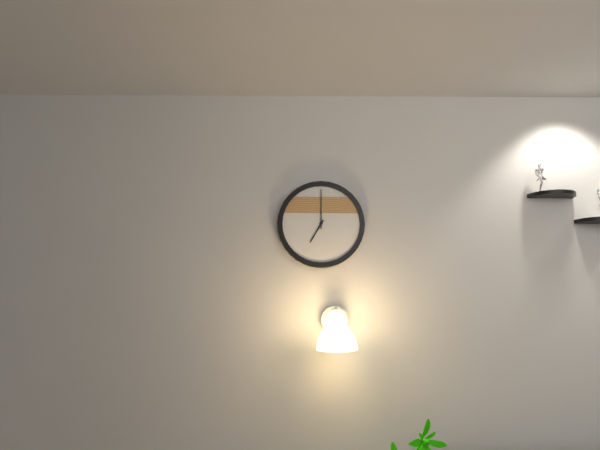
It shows 7,00
